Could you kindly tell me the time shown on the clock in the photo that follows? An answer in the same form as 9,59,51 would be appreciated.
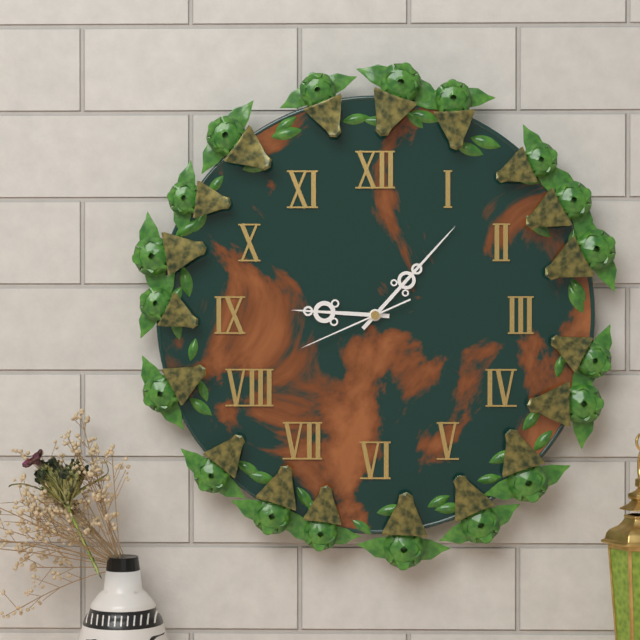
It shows 9,07,41
